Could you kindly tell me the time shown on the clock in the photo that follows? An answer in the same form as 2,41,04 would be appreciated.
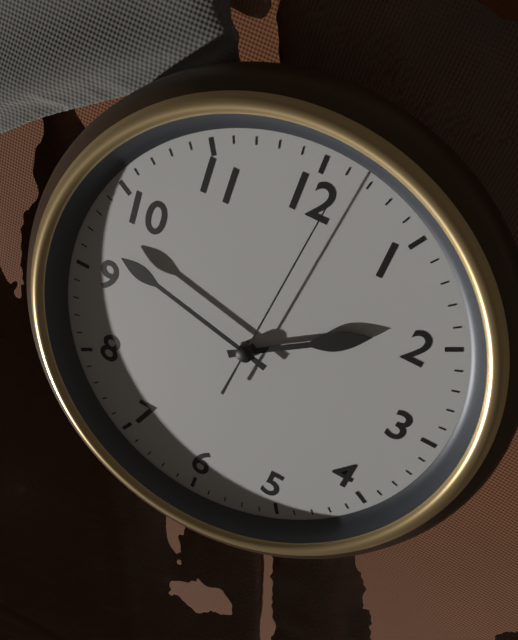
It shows 1,47,01
